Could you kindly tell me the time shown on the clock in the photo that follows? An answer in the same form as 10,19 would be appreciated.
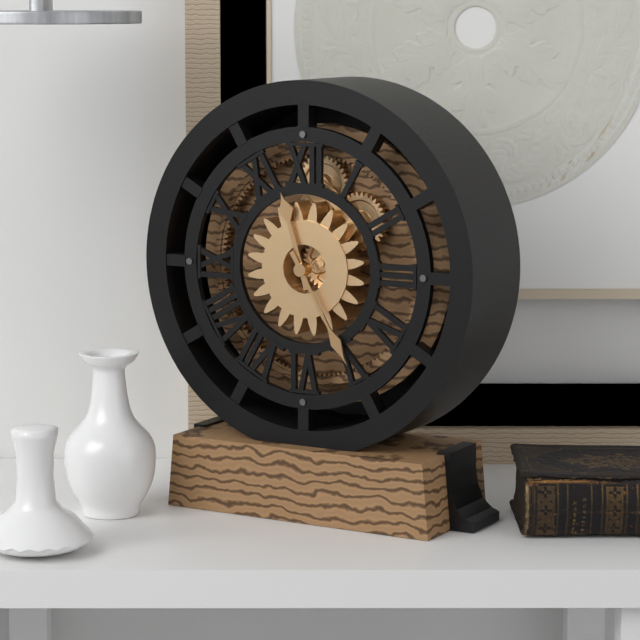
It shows 11,25
